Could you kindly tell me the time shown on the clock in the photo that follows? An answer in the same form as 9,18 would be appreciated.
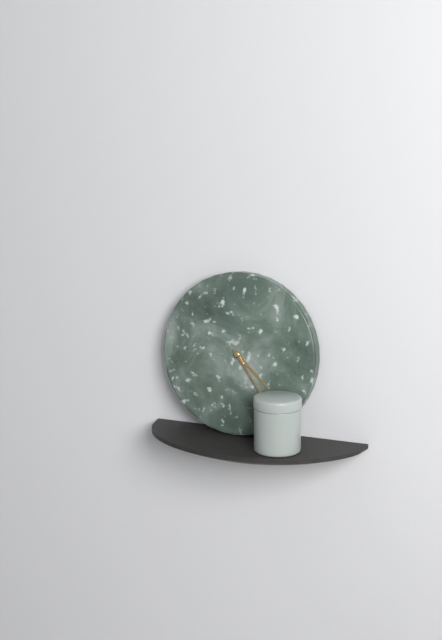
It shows 4,24
